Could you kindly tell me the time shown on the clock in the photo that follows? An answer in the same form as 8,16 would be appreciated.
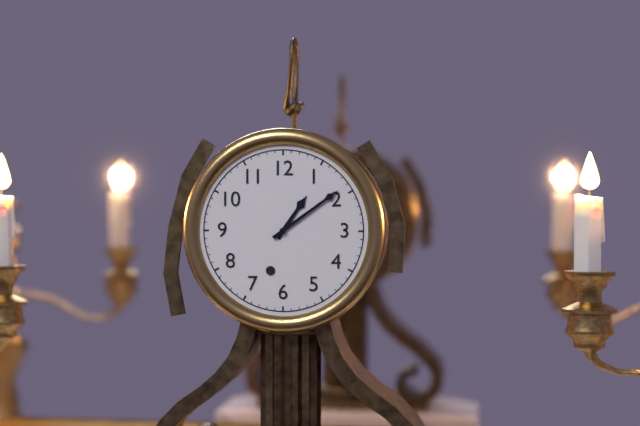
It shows 1,09
